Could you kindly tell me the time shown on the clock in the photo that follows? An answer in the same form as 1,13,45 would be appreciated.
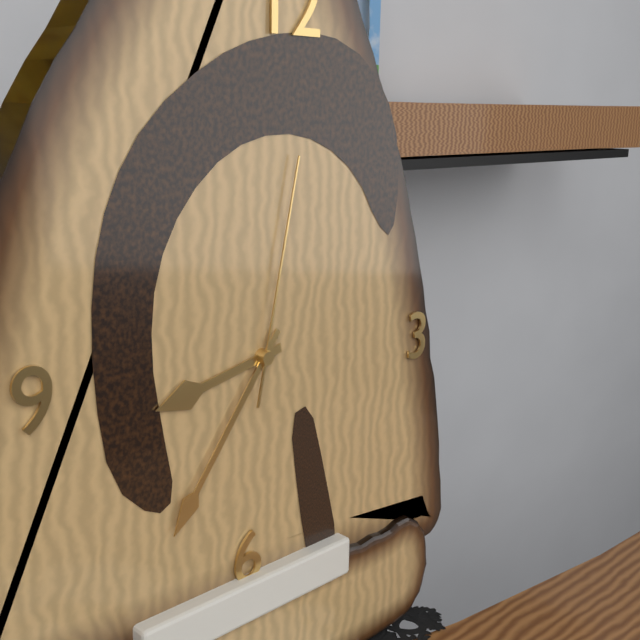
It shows 8,36,02
